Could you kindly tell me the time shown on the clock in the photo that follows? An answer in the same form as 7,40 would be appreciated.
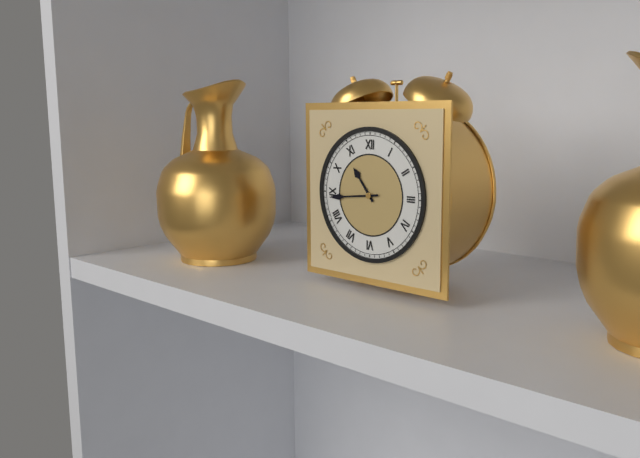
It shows 10,44
